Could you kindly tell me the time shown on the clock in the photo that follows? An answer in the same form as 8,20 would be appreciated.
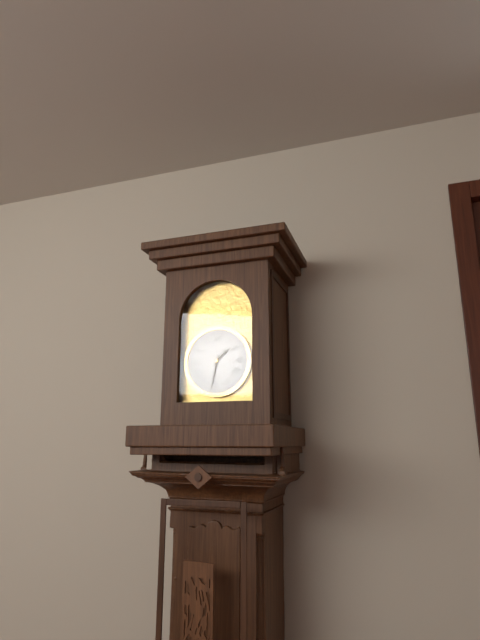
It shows 1,32
